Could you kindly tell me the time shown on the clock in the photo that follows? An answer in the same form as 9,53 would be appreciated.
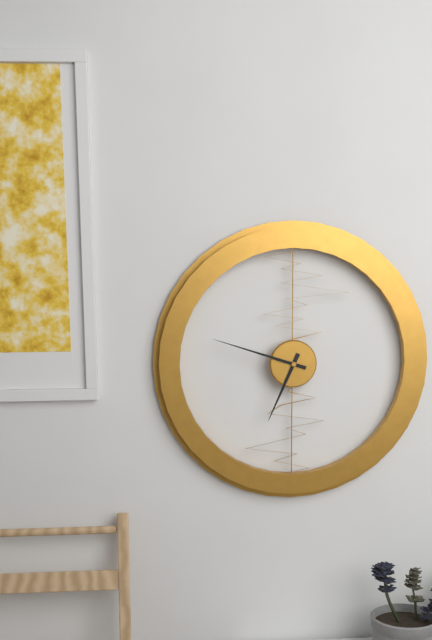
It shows 6,48
